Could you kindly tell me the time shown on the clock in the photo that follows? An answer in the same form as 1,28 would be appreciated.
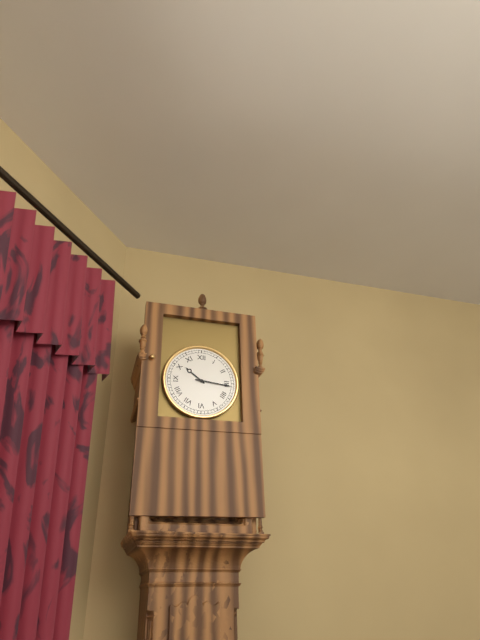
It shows 10,16
